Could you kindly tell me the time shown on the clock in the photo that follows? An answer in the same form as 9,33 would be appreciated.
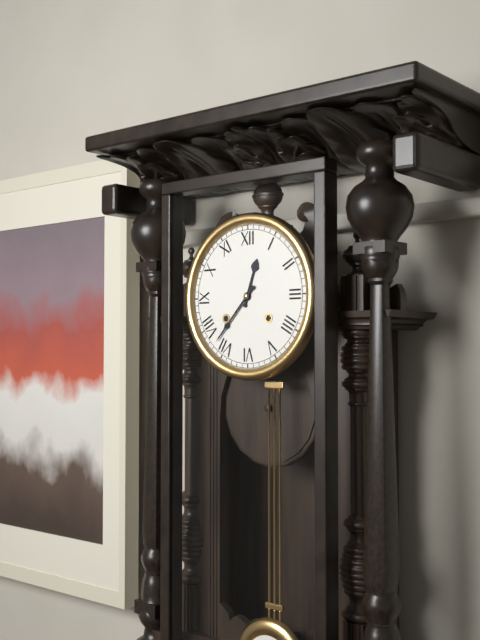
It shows 12,37
